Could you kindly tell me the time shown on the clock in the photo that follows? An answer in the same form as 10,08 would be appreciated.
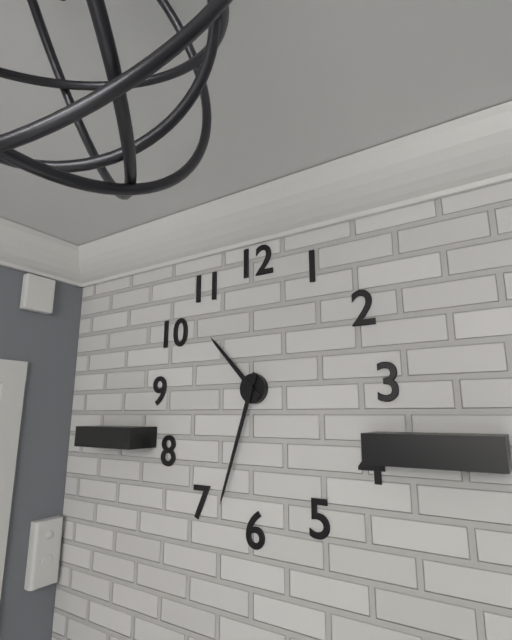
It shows 10,33
